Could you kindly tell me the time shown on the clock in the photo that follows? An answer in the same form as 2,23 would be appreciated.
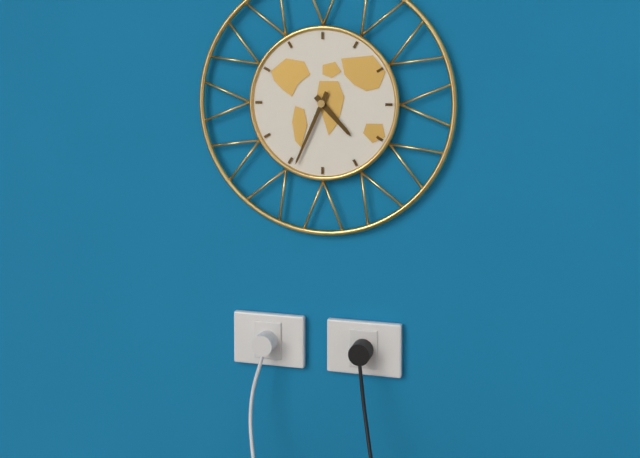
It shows 4,34
